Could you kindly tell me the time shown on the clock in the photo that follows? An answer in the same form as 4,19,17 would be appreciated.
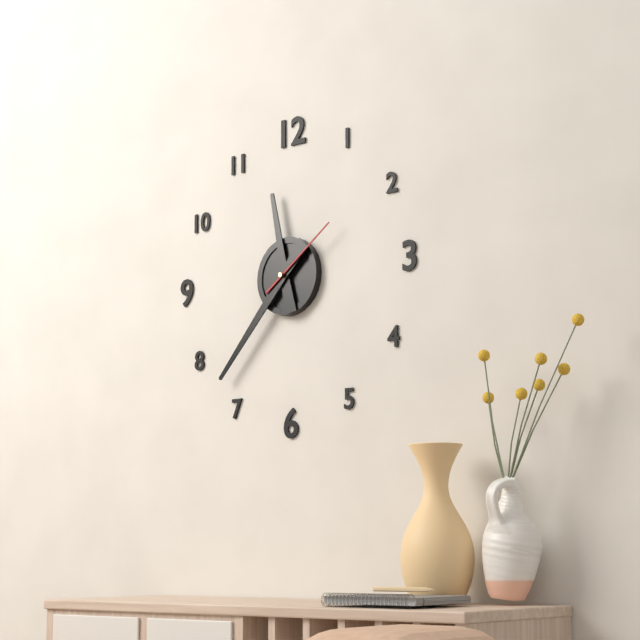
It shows 11,37,09
